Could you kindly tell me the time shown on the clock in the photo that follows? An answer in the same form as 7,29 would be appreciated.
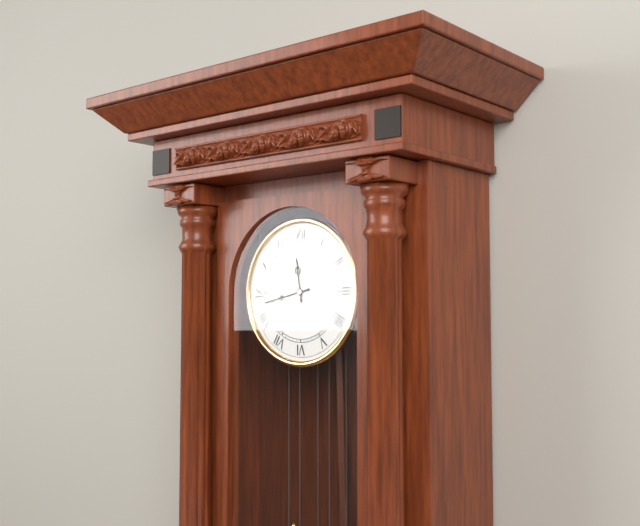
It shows 11,43
